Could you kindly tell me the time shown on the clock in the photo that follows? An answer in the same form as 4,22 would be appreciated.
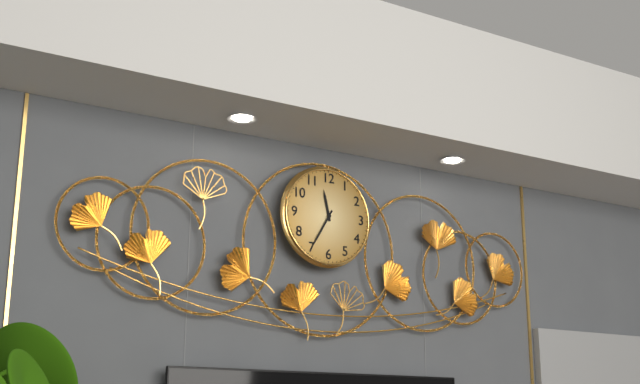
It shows 11,35
